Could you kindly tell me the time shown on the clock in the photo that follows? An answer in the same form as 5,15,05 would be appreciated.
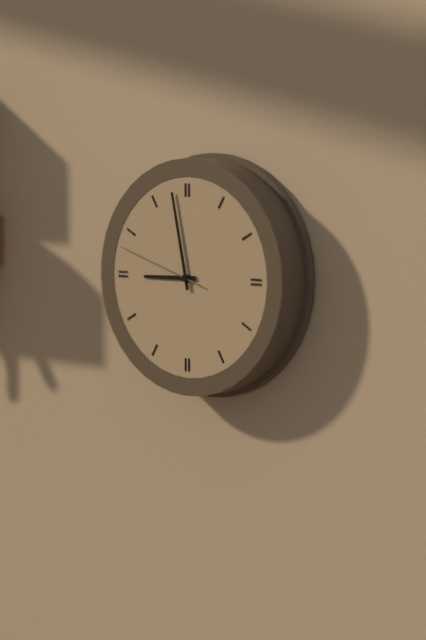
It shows 8,58,48
